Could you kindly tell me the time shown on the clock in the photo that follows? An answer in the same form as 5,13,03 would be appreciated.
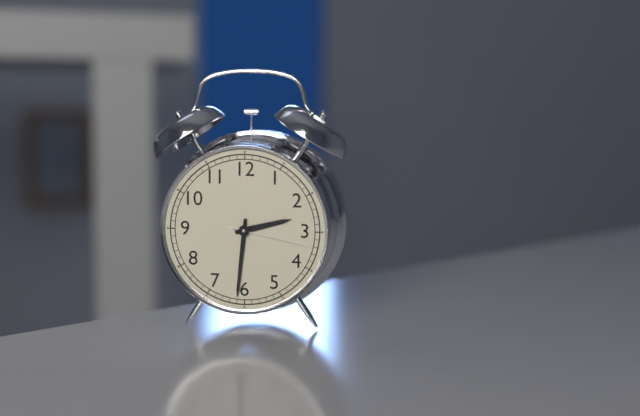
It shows 2,31,17
